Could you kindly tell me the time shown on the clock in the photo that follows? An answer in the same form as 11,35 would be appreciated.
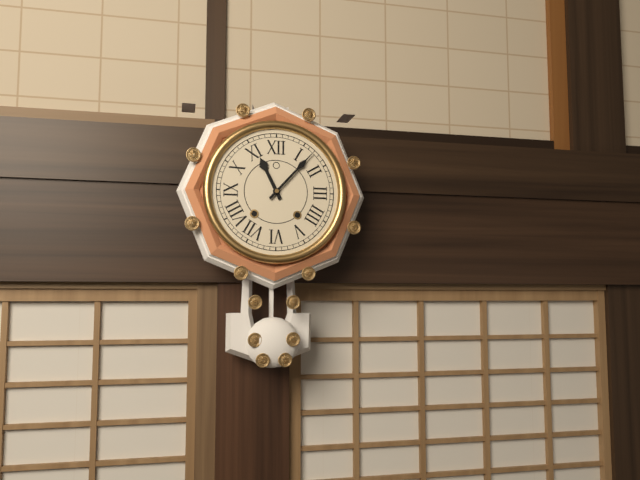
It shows 11,07
